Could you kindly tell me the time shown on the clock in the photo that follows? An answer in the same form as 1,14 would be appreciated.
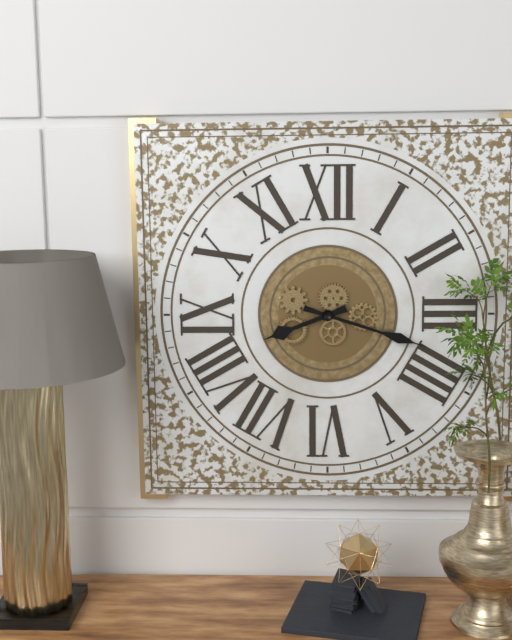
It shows 8,18
